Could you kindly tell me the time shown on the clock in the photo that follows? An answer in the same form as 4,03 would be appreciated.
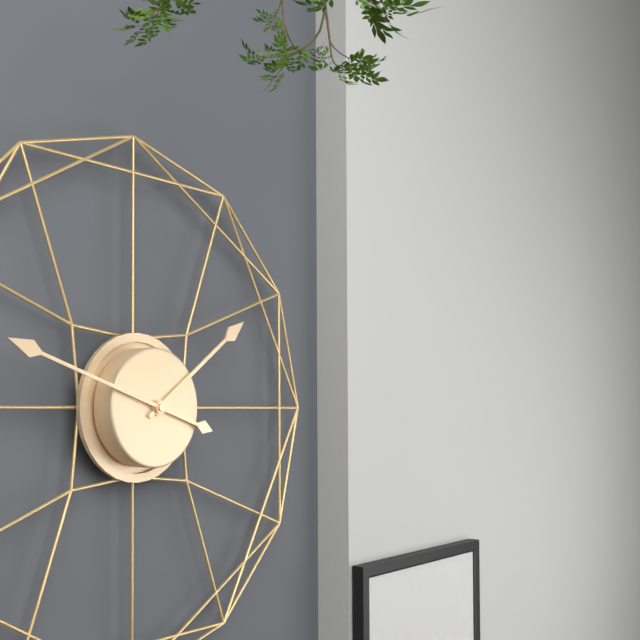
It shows 1,48
